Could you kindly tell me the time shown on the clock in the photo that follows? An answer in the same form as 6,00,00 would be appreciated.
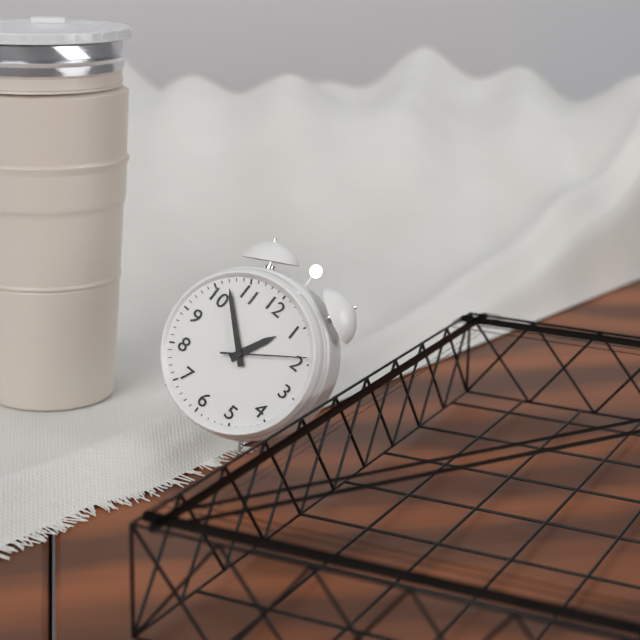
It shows 12,52,09
